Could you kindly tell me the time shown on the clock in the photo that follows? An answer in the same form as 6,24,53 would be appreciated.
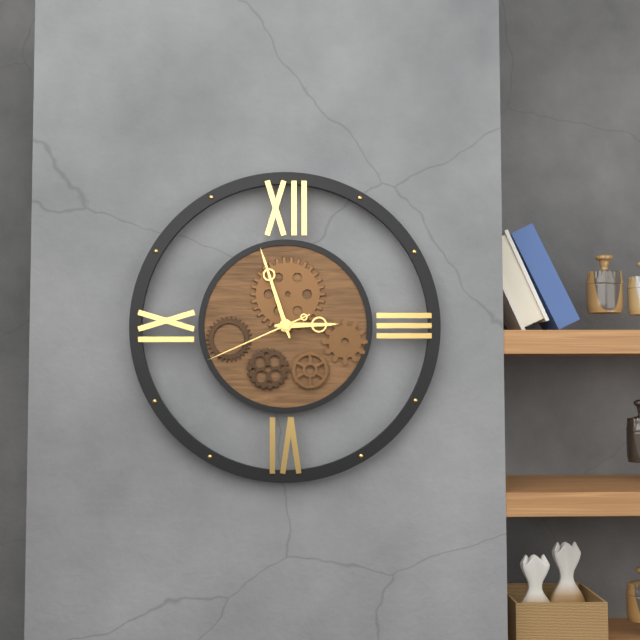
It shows 2,57,41
